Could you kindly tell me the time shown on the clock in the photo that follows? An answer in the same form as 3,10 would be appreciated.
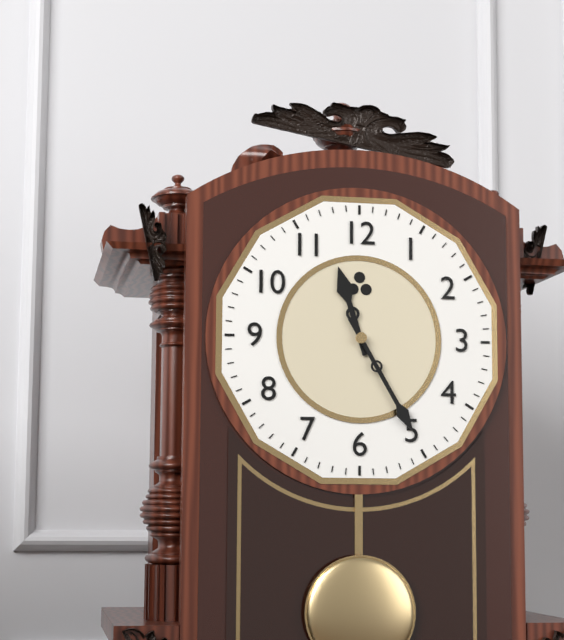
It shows 11,25
